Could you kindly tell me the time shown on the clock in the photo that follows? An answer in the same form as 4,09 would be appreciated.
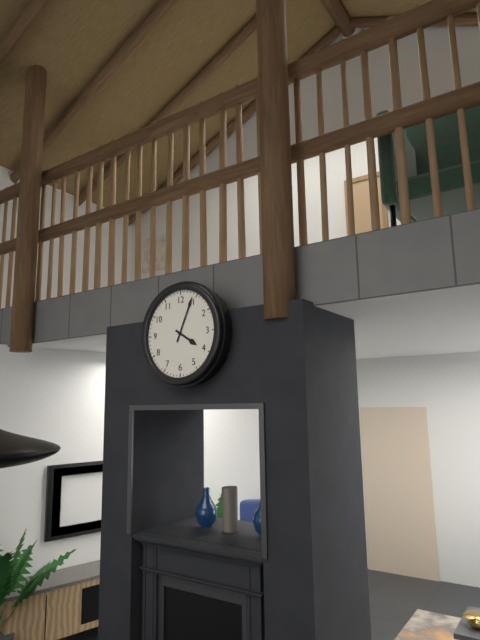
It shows 4,04
